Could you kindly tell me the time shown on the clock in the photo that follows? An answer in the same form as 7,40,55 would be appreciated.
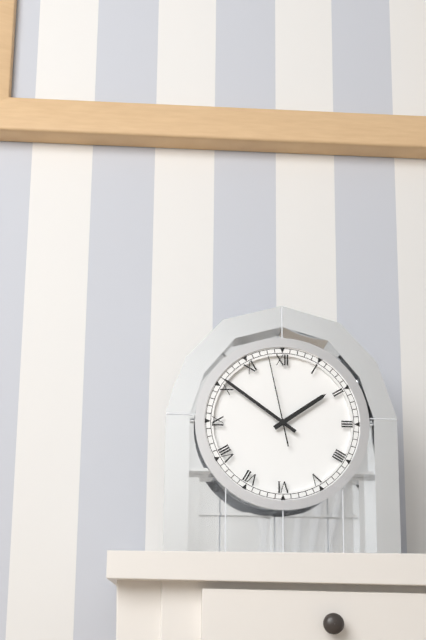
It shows 1,51,58
